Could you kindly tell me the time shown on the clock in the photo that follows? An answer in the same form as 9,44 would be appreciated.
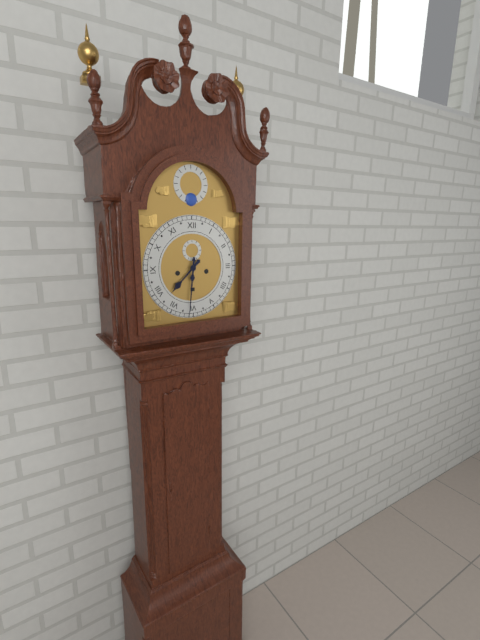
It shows 7,31
